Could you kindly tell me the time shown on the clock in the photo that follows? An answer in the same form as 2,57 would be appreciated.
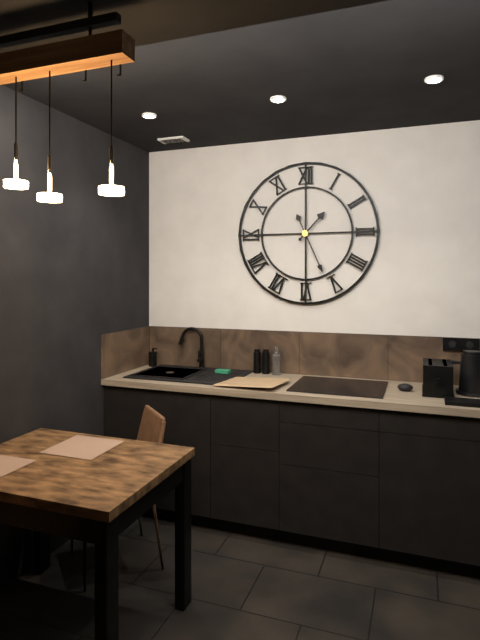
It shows 1,26
